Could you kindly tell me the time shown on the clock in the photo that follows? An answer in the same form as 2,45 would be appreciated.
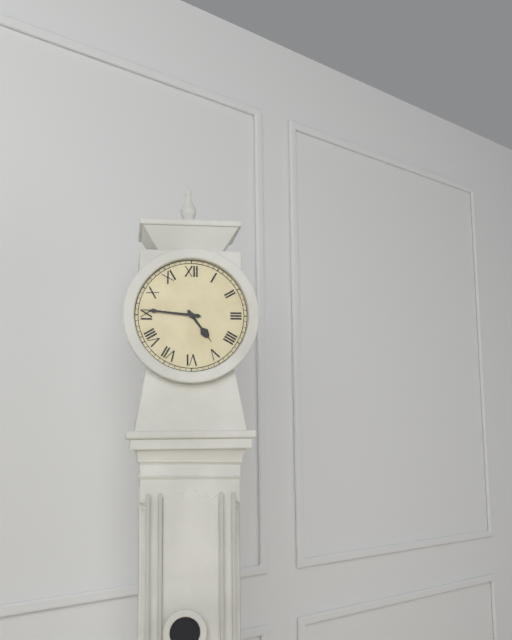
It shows 4,46
